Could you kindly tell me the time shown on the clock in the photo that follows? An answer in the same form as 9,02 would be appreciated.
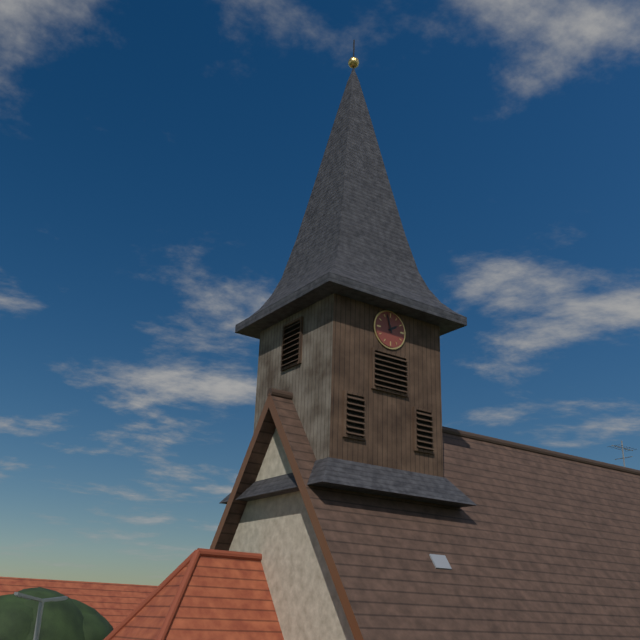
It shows 1,57
